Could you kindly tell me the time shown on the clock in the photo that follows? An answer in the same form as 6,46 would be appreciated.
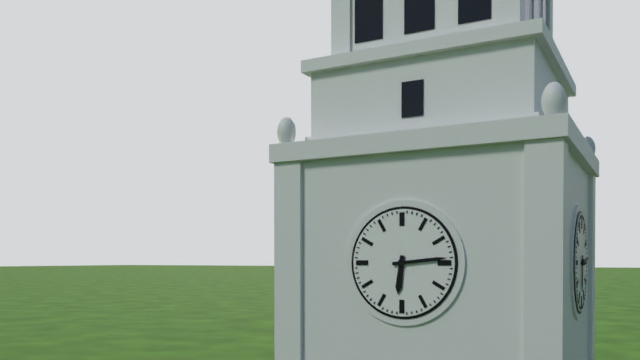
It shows 6,14
